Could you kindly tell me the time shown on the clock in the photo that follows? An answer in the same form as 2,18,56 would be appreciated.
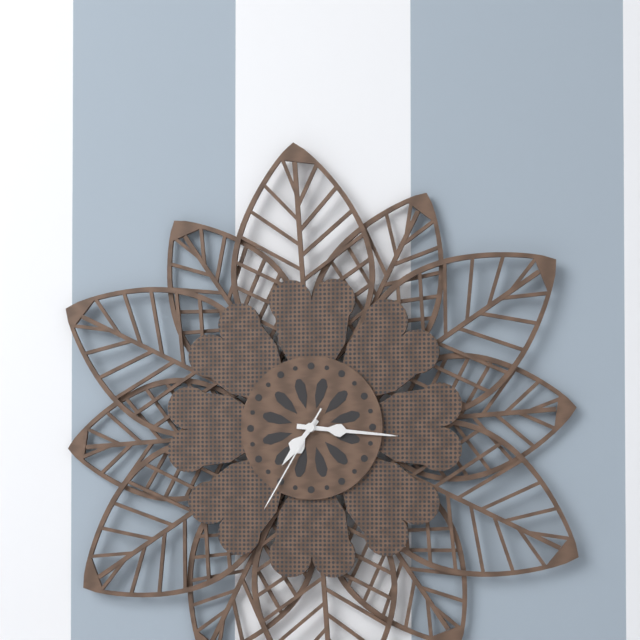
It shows 7,16,35
